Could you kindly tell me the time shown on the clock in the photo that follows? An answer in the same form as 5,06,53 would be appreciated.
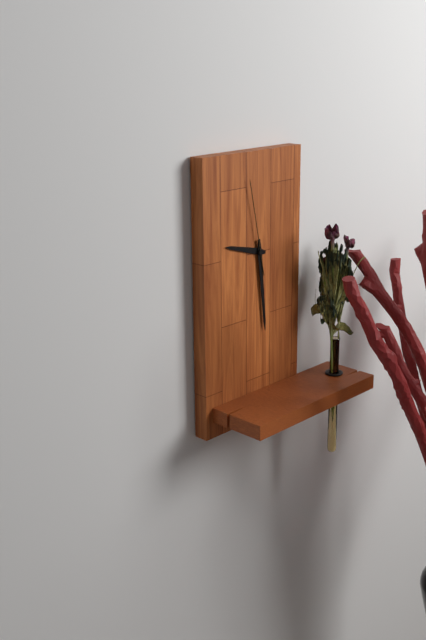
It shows 9,29,58
